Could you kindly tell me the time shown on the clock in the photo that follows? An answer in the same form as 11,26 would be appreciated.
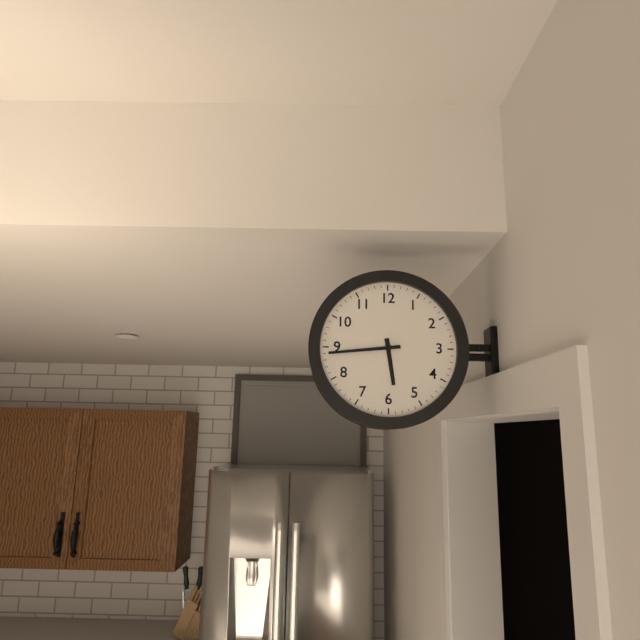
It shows 5,44
